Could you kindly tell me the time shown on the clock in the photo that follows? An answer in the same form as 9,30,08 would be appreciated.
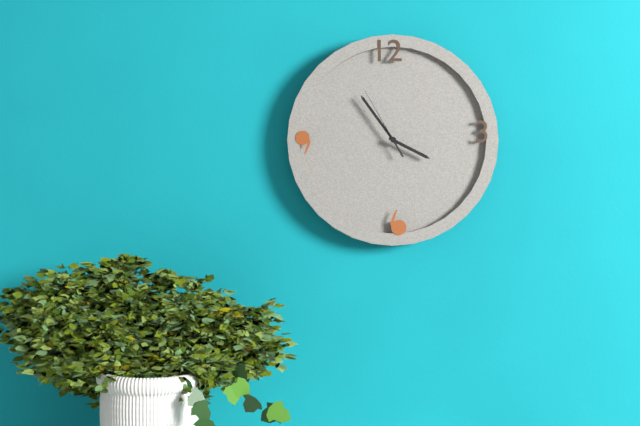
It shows 3,54,55
